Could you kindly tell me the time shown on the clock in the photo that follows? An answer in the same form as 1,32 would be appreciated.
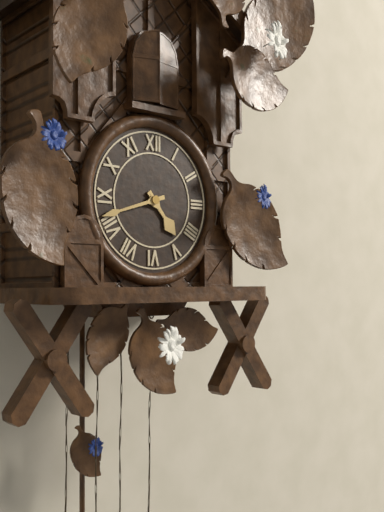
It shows 4,42
